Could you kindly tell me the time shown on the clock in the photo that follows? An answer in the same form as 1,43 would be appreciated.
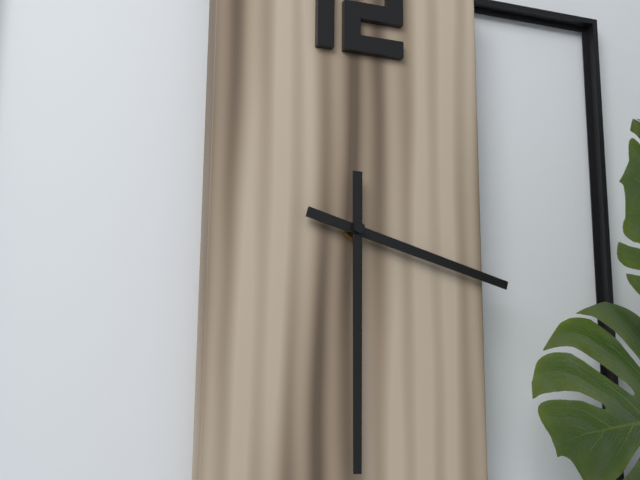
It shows 3,30
